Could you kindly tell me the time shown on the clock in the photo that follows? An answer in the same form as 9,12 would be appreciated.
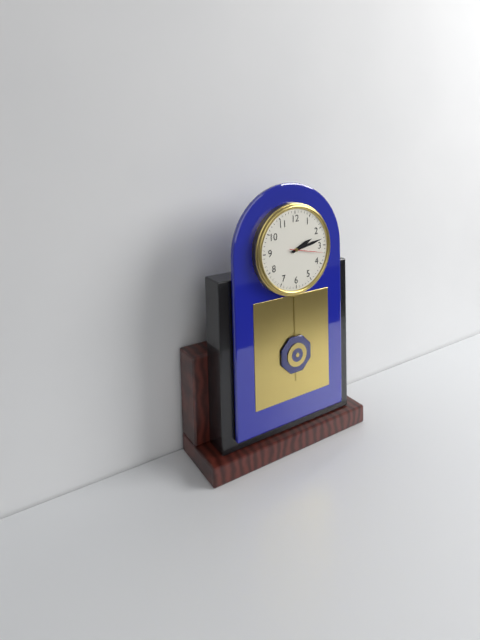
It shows 2,13
